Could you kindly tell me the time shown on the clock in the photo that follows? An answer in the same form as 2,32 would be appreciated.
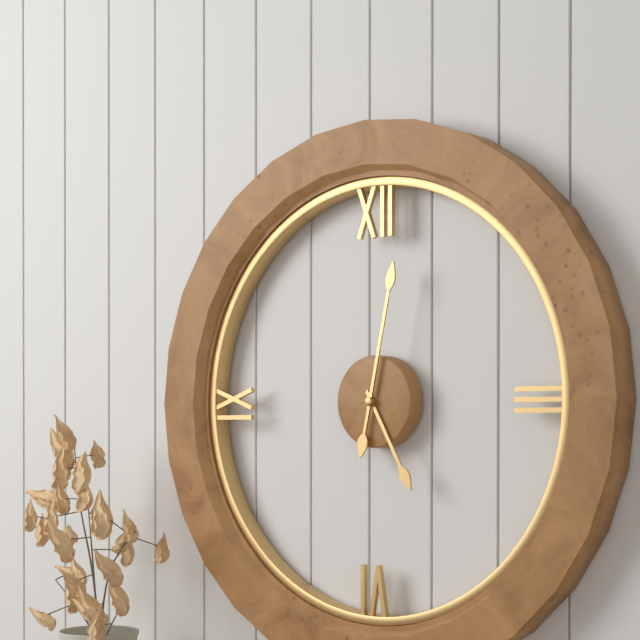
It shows 5,02
